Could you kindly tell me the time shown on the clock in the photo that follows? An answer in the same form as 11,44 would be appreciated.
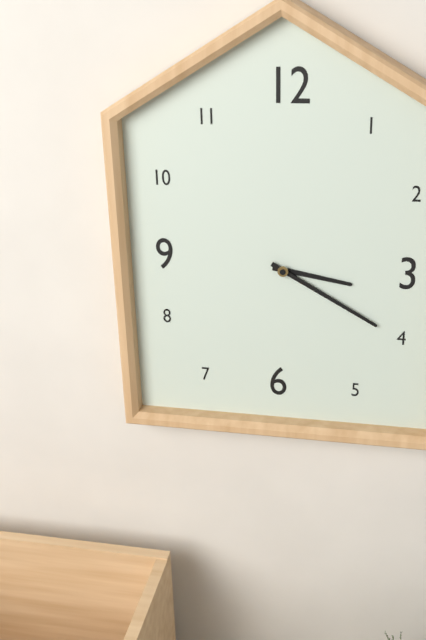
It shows 3,20
